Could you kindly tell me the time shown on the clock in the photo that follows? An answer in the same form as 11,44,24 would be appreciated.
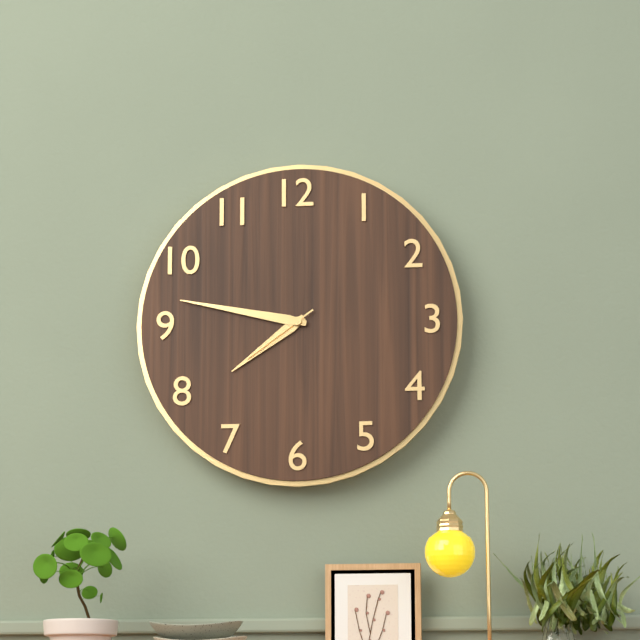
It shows 7,47,39
